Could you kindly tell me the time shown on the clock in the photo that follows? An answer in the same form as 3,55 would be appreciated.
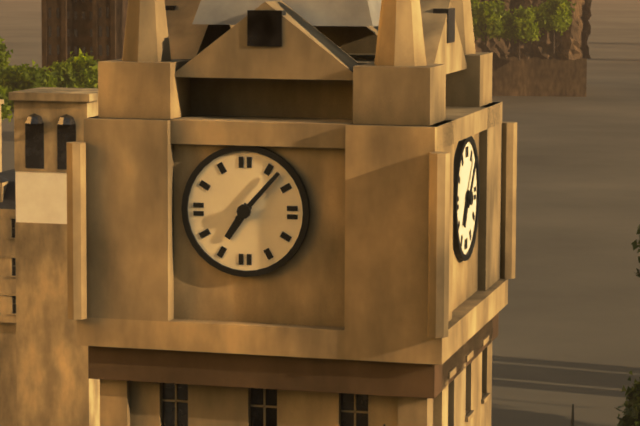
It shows 7,07
